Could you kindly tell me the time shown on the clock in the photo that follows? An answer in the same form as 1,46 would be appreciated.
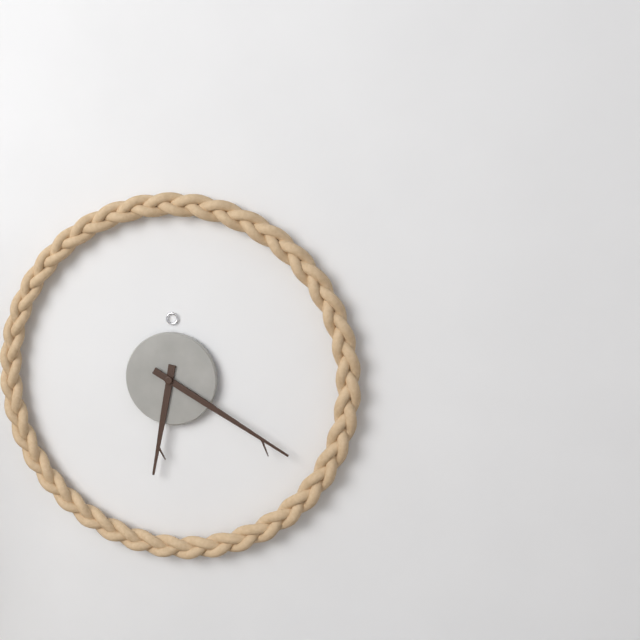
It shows 6,20
